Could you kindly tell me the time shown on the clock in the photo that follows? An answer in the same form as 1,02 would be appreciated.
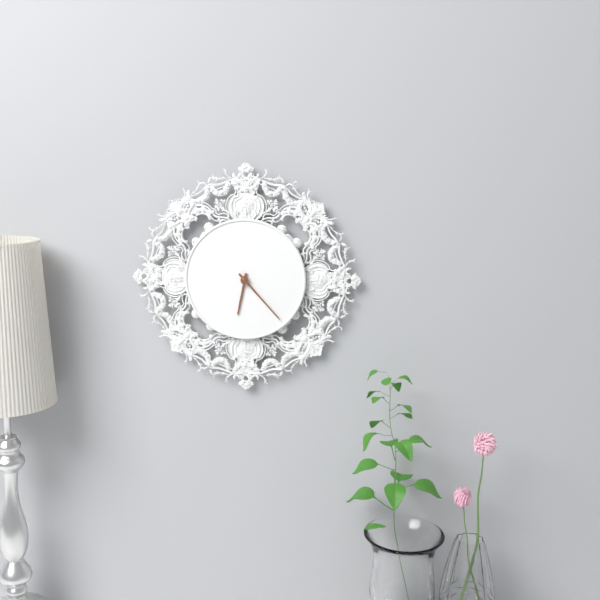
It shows 6,23
